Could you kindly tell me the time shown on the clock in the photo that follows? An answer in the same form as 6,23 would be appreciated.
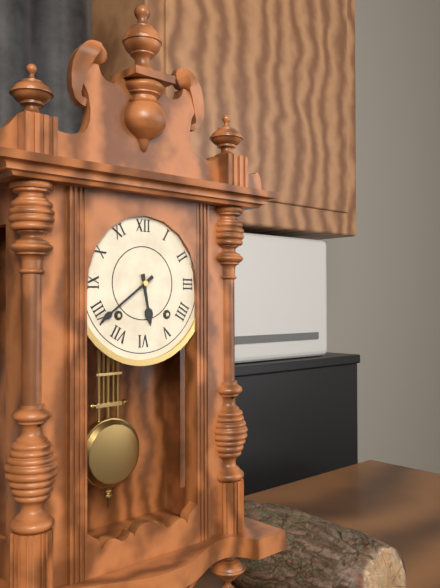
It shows 5,39
